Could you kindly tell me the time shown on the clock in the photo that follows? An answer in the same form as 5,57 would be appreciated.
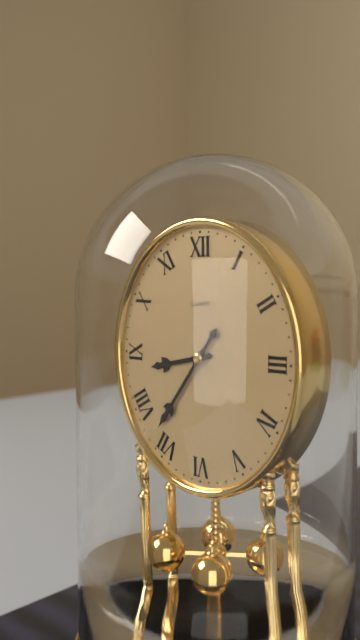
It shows 8,36
